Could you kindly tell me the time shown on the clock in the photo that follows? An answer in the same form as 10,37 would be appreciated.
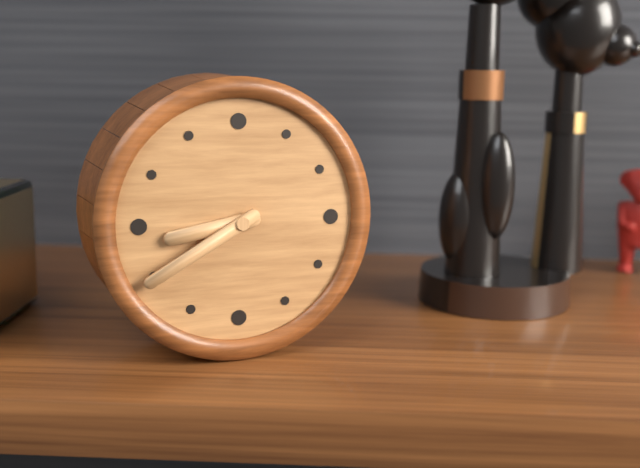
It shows 8,40
